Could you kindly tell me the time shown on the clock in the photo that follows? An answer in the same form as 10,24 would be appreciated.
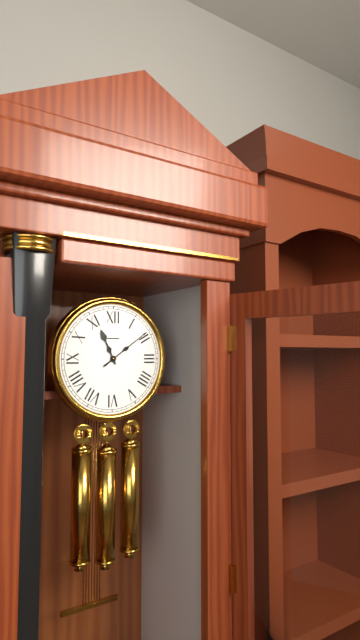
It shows 11,09
